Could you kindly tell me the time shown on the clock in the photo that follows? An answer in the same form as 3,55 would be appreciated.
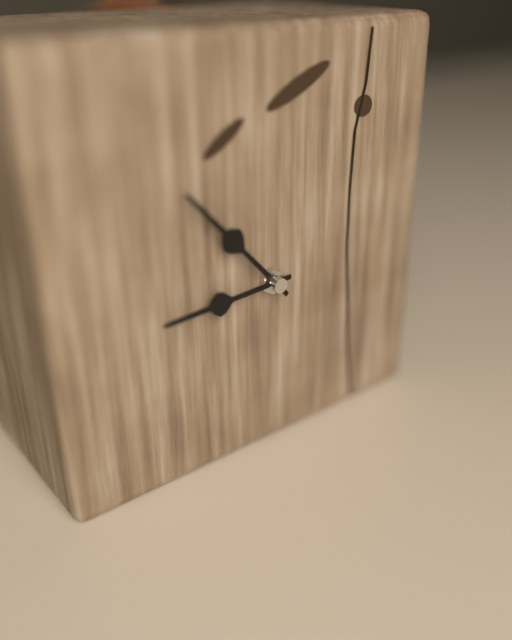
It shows 8,53
